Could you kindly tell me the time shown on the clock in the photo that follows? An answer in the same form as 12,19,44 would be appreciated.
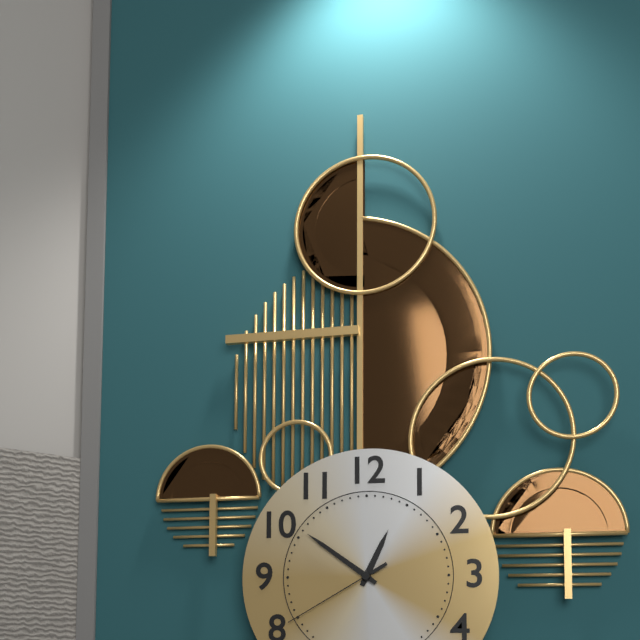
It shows 12,51,40
